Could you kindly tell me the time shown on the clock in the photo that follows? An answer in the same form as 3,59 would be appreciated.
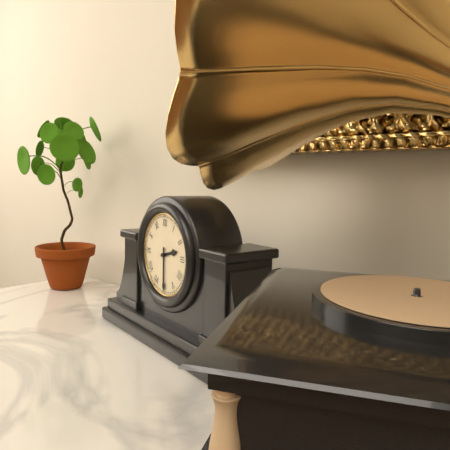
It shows 2,30
